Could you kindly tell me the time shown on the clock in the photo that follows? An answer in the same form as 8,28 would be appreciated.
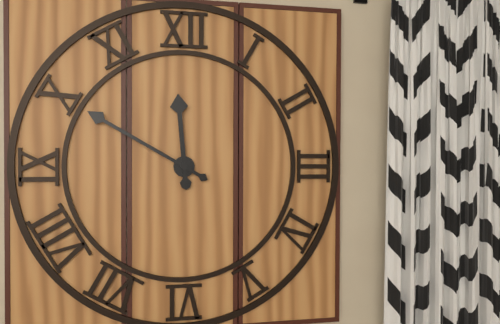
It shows 11,50
